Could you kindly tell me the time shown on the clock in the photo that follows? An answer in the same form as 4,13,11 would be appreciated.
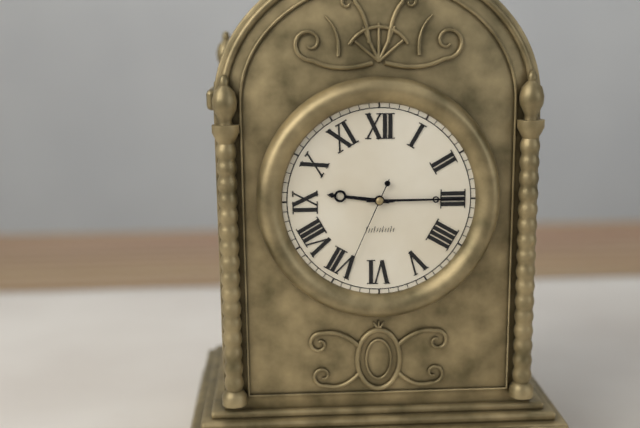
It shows 9,15,34
